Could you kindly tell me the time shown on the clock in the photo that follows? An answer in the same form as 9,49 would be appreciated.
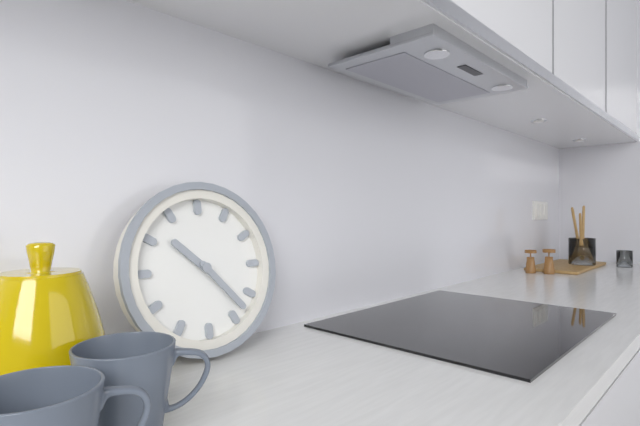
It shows 10,23
